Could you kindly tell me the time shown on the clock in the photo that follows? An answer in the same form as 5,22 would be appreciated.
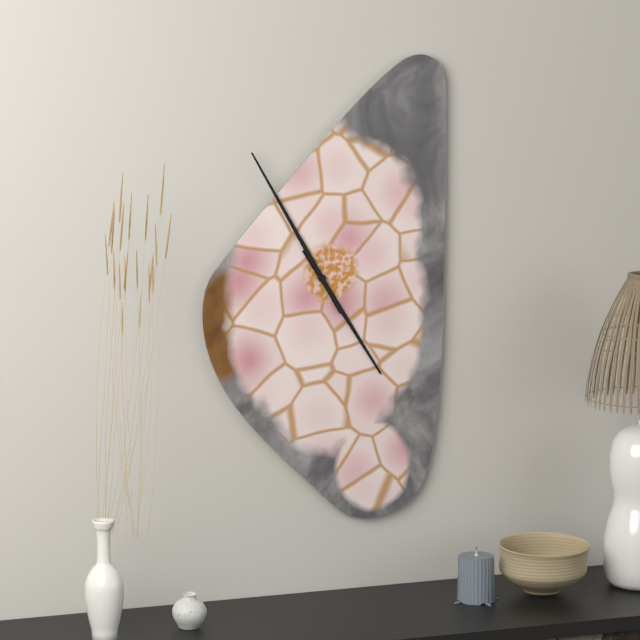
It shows 4,55
